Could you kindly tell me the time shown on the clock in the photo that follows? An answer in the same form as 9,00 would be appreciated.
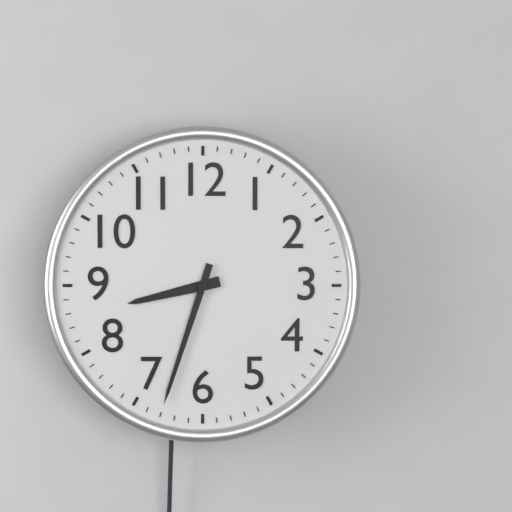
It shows 8,33
